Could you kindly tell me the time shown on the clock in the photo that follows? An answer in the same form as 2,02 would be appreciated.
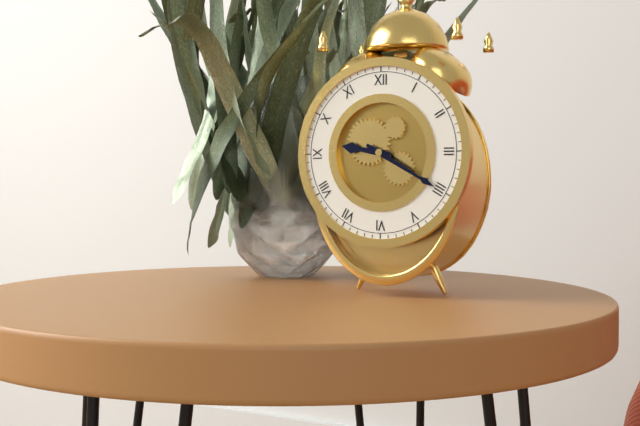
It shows 9,20
